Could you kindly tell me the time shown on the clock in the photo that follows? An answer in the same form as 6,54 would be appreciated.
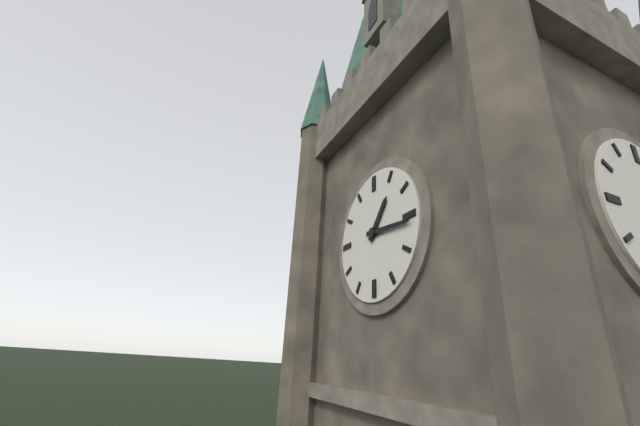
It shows 1,16
